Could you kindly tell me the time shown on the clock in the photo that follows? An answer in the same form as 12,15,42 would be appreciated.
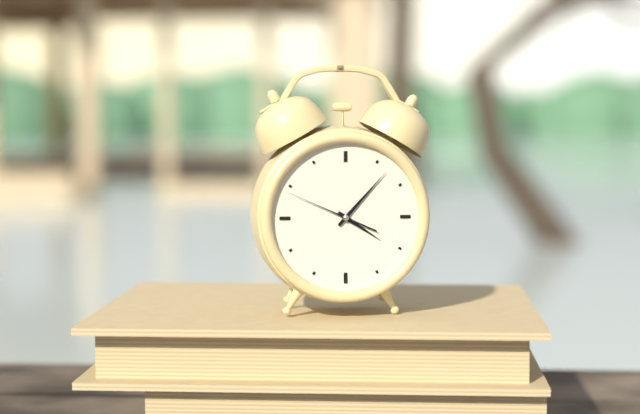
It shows 4,07,49
